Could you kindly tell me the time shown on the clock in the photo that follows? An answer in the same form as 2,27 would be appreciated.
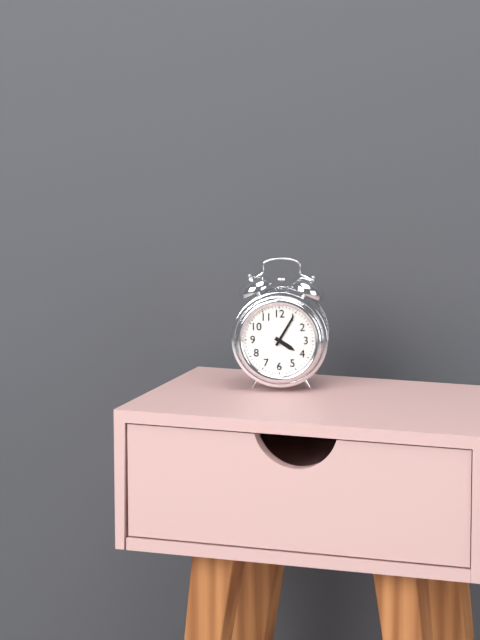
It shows 4,05
